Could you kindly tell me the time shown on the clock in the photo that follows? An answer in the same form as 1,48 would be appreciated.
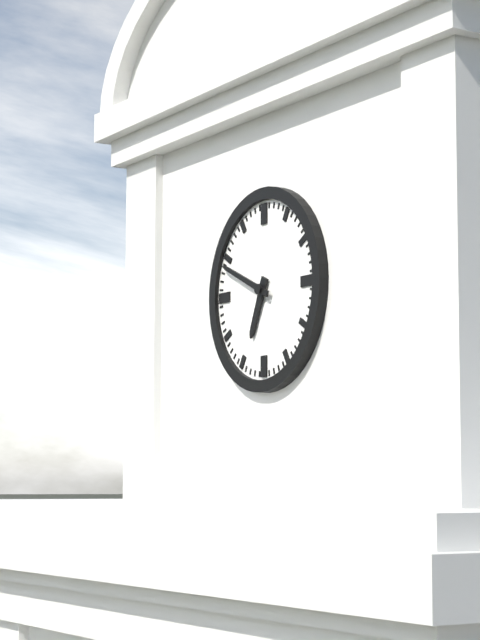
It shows 6,49
